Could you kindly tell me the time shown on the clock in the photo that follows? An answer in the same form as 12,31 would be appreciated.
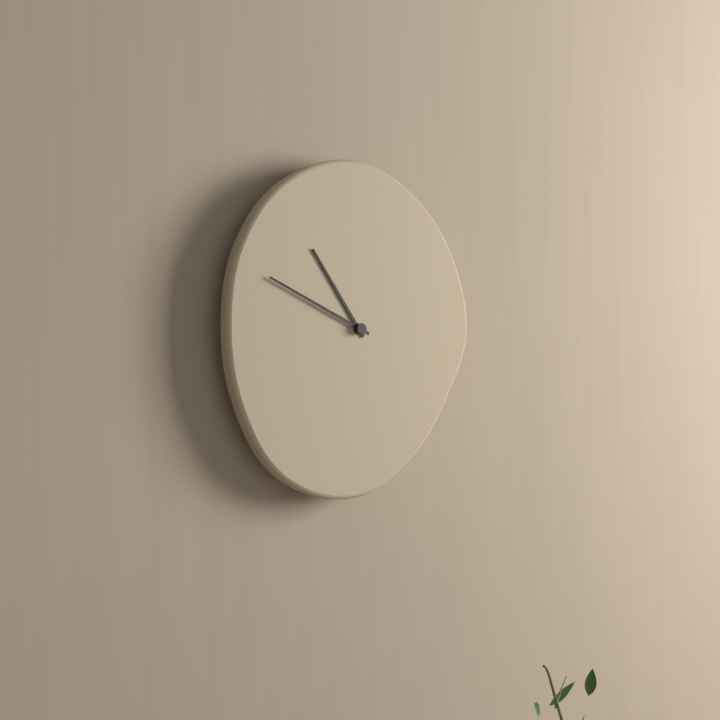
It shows 10,49
